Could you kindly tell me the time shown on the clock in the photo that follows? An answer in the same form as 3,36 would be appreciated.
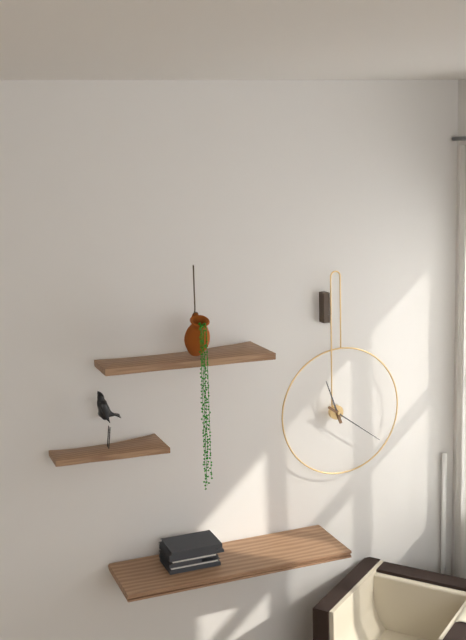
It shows 11,21
